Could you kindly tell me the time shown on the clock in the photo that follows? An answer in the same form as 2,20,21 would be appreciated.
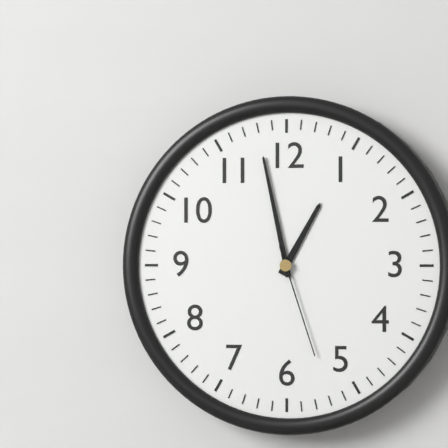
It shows 12,58,27
